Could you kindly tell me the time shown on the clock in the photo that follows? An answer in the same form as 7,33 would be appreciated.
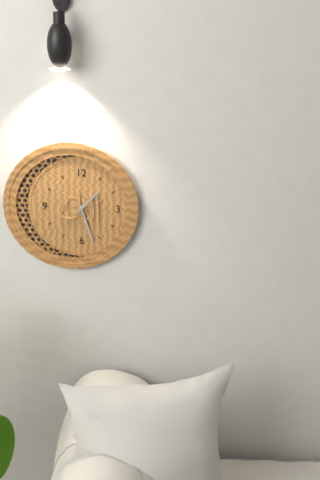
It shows 1,27
